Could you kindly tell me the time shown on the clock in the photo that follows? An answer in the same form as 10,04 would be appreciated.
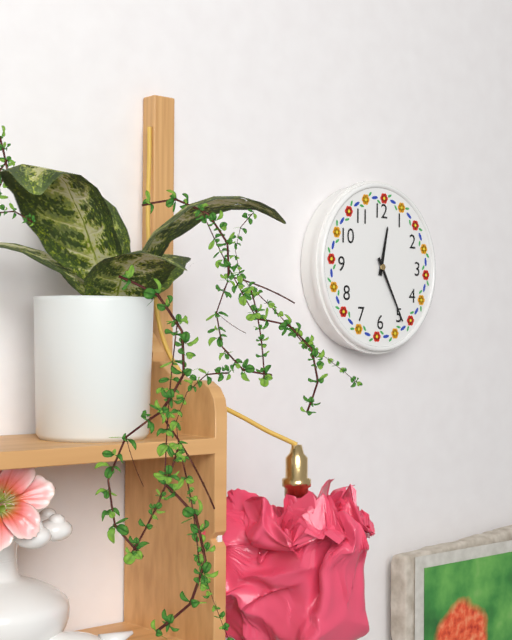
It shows 12,25
